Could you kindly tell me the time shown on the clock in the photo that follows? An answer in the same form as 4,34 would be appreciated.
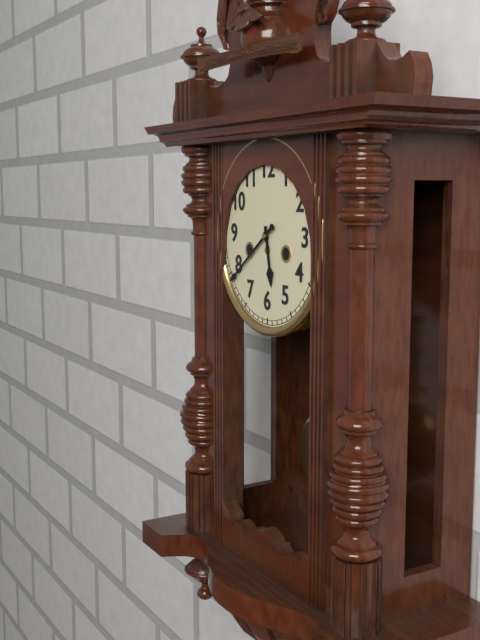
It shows 5,39
